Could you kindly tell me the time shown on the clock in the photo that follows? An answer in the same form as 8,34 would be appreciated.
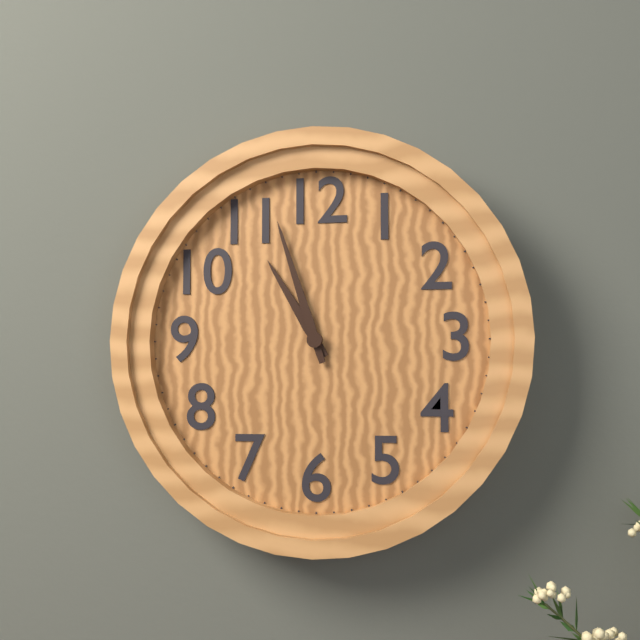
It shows 10,57
